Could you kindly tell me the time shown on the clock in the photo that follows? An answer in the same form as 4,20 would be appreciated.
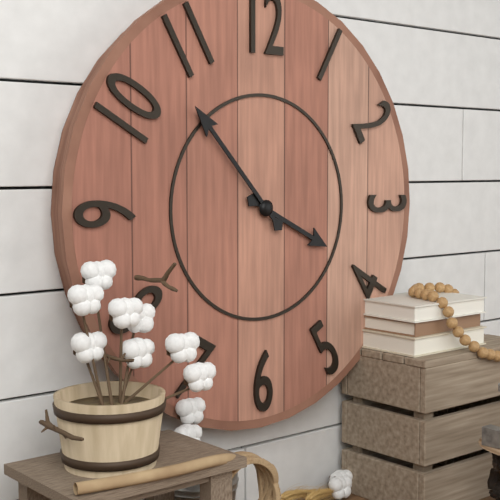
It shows 3,53
